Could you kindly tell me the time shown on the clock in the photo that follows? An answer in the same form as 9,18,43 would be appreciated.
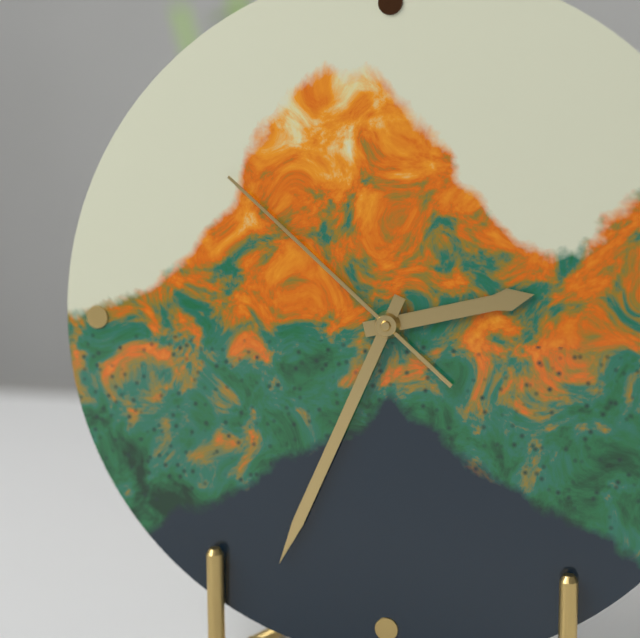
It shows 2,34,52
